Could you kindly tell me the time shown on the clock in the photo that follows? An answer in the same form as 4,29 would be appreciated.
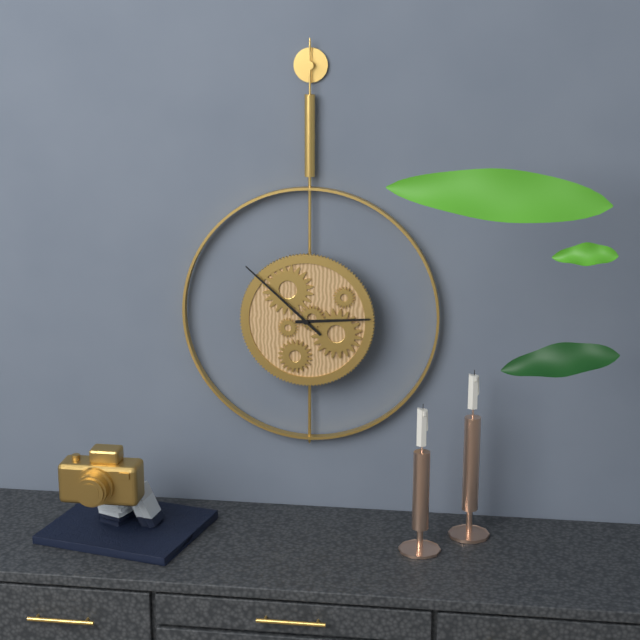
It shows 2,52
